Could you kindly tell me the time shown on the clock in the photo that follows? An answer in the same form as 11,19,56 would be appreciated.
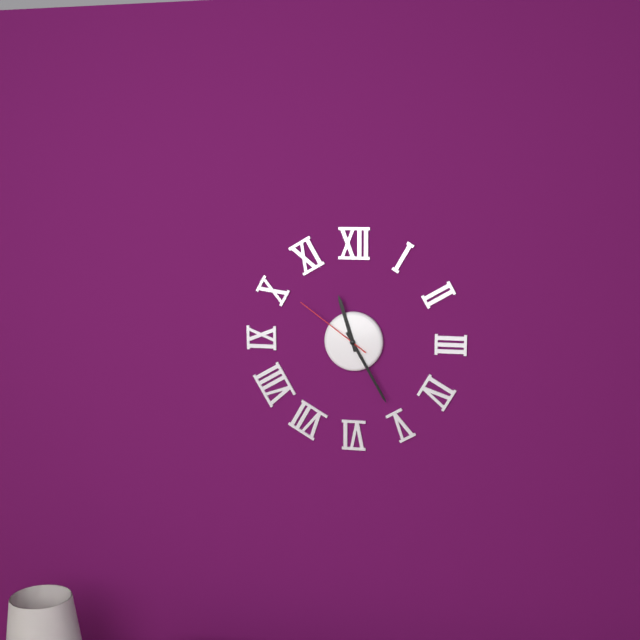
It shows 11,25,51
